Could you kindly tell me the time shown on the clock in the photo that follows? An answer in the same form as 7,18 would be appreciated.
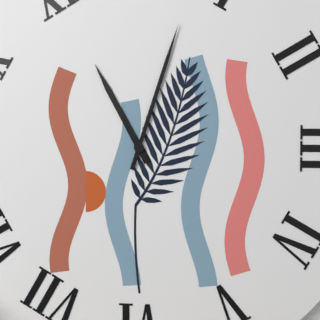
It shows 11,03
